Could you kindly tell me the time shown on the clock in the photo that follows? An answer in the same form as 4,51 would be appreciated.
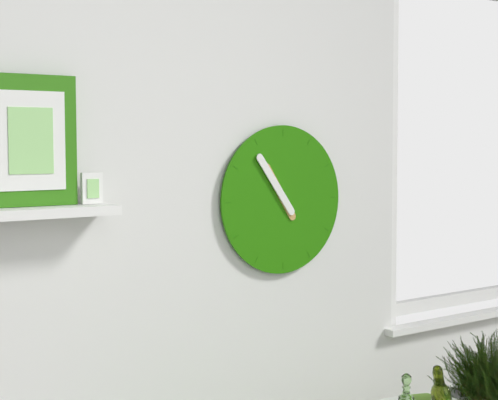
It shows 10,54
